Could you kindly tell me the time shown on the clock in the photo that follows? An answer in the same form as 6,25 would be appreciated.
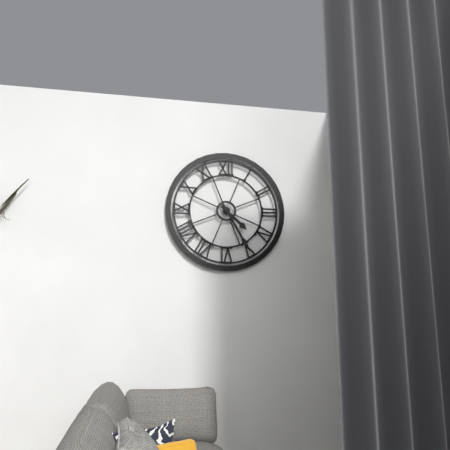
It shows 4,25
